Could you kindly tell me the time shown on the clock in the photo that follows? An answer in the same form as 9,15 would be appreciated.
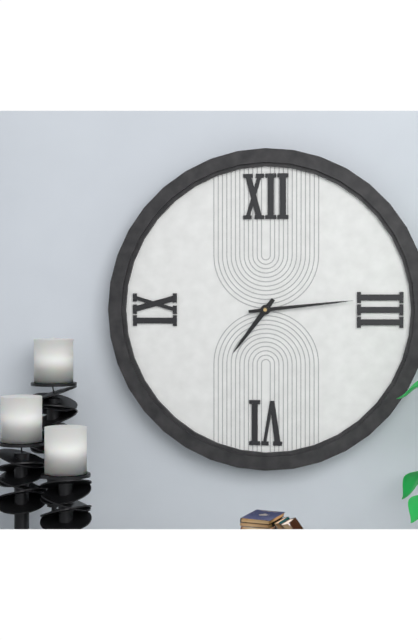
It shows 7,14
